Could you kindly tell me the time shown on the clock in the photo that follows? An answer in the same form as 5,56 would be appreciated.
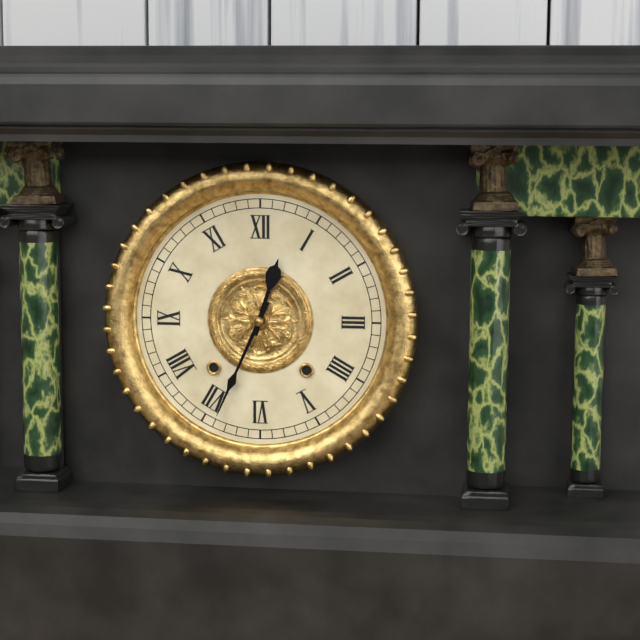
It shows 12,34
